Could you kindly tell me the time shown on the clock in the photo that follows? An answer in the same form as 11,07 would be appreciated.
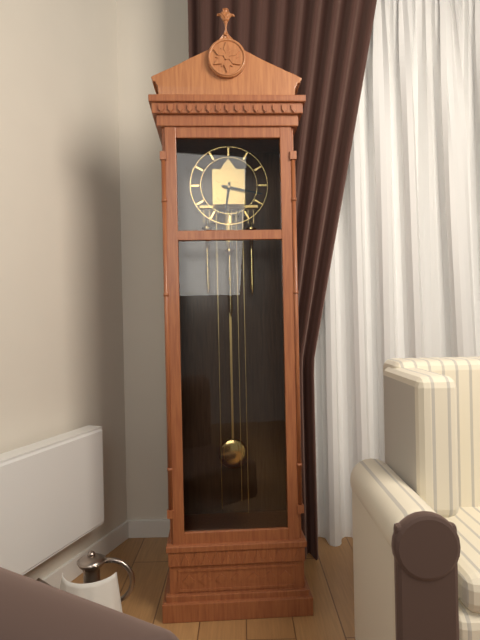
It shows 6,17
